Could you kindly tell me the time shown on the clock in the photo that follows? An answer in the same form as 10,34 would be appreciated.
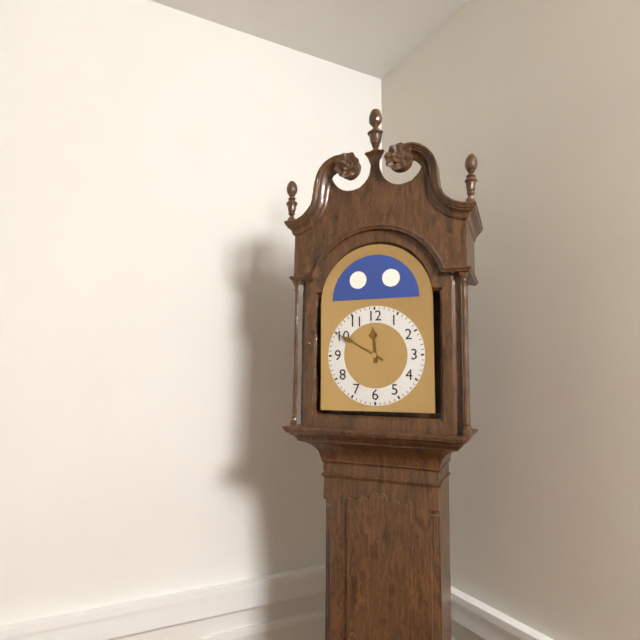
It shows 11,50
